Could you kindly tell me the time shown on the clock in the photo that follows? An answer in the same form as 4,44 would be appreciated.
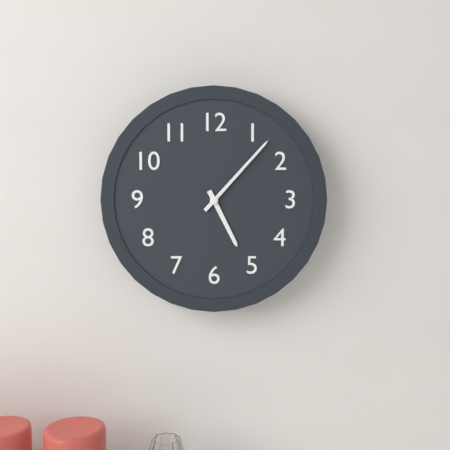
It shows 5,07
